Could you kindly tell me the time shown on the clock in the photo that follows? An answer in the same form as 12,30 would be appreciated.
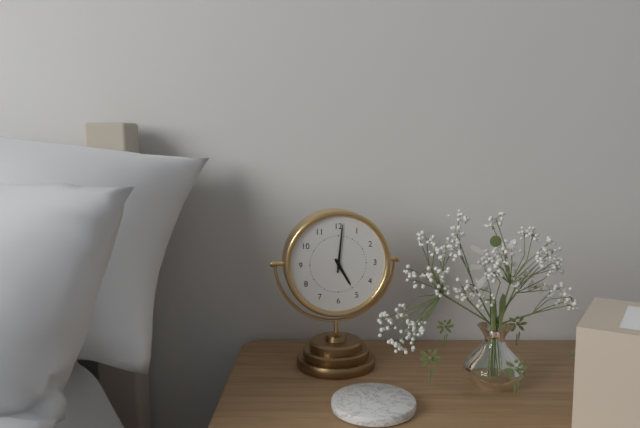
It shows 5,01
